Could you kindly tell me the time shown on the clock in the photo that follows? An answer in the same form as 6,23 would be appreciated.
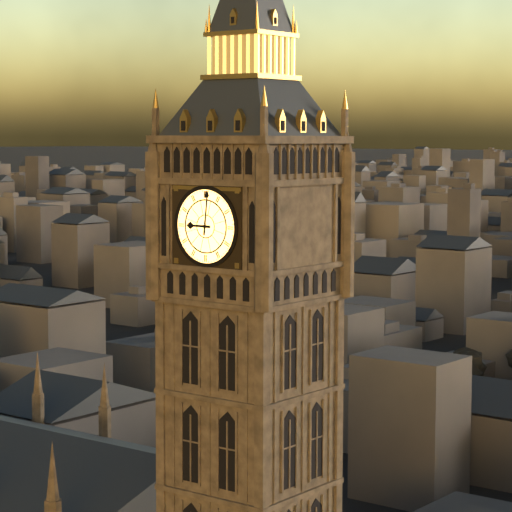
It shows 9,01
